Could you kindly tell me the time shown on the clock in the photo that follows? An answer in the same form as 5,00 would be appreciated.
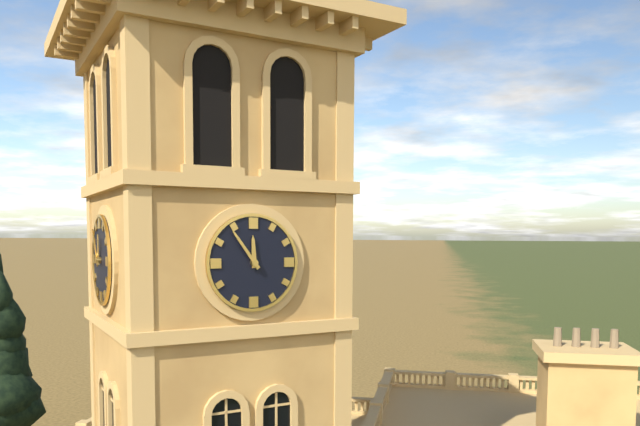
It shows 11,54
